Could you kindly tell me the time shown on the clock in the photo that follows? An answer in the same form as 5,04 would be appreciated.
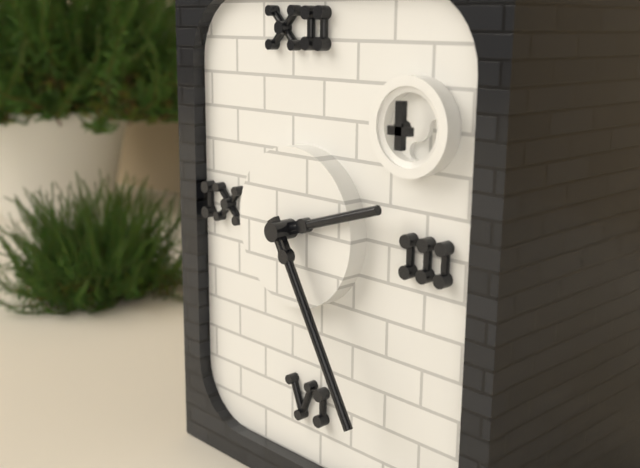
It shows 2,25
